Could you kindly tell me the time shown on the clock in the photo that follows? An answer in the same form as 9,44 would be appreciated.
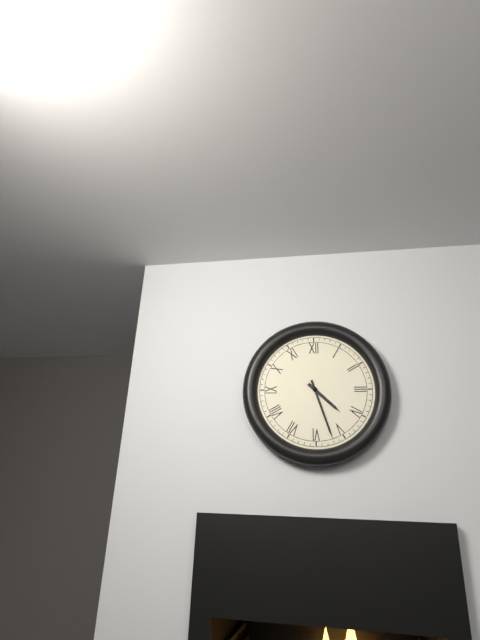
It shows 4,27
